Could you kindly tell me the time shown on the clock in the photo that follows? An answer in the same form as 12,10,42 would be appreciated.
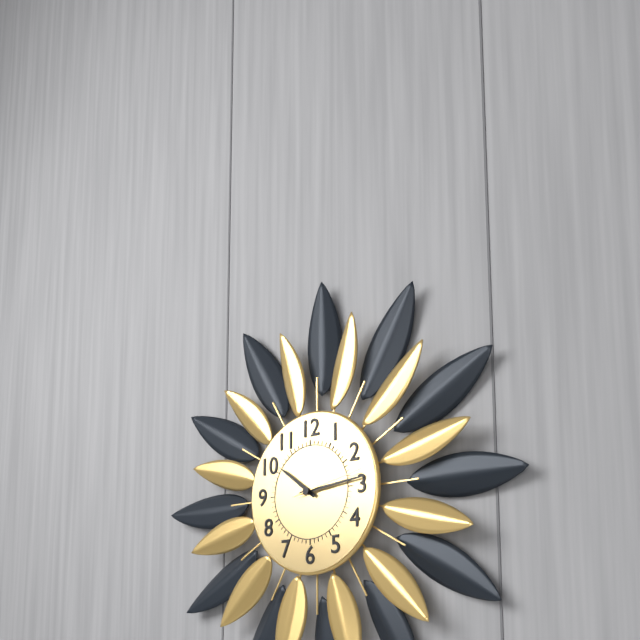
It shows 10,14,13
